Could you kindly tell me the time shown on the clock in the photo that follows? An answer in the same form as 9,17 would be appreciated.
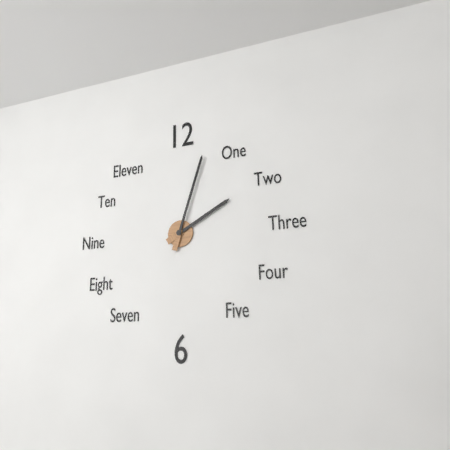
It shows 2,03
